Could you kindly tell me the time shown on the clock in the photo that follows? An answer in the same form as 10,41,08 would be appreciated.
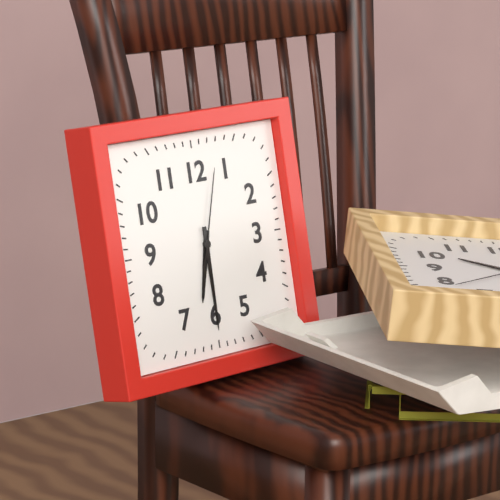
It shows 6,30,03
